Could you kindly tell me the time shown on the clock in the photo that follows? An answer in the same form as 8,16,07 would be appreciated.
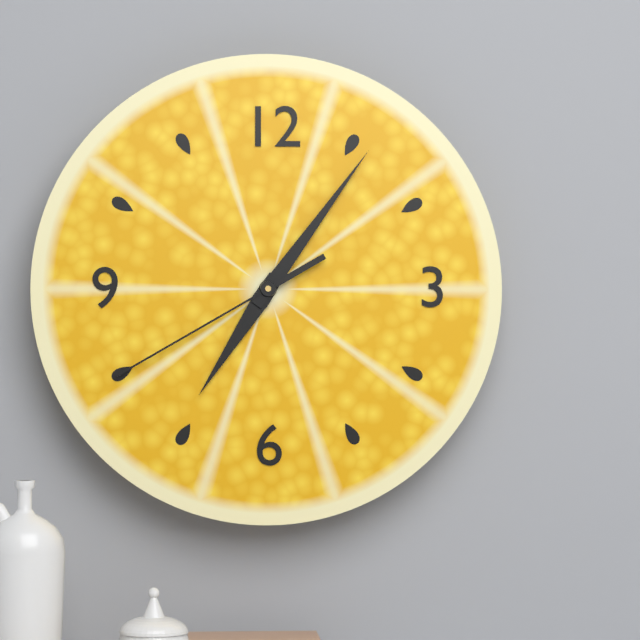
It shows 7,06,40
